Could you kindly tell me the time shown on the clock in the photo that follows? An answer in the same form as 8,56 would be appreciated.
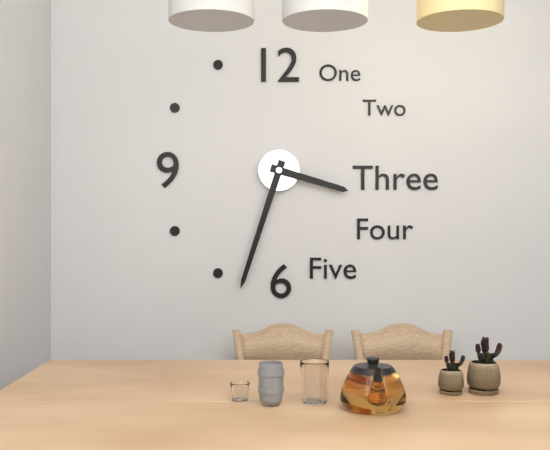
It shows 3,33
